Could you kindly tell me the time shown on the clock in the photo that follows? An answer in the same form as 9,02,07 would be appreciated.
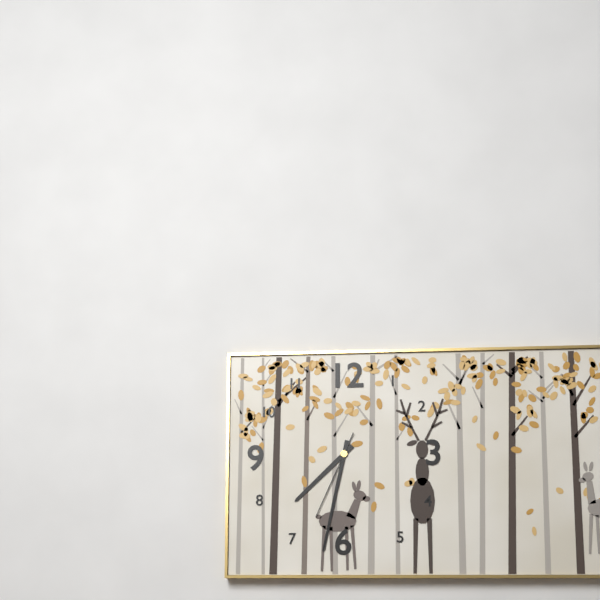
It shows 7,32,34
